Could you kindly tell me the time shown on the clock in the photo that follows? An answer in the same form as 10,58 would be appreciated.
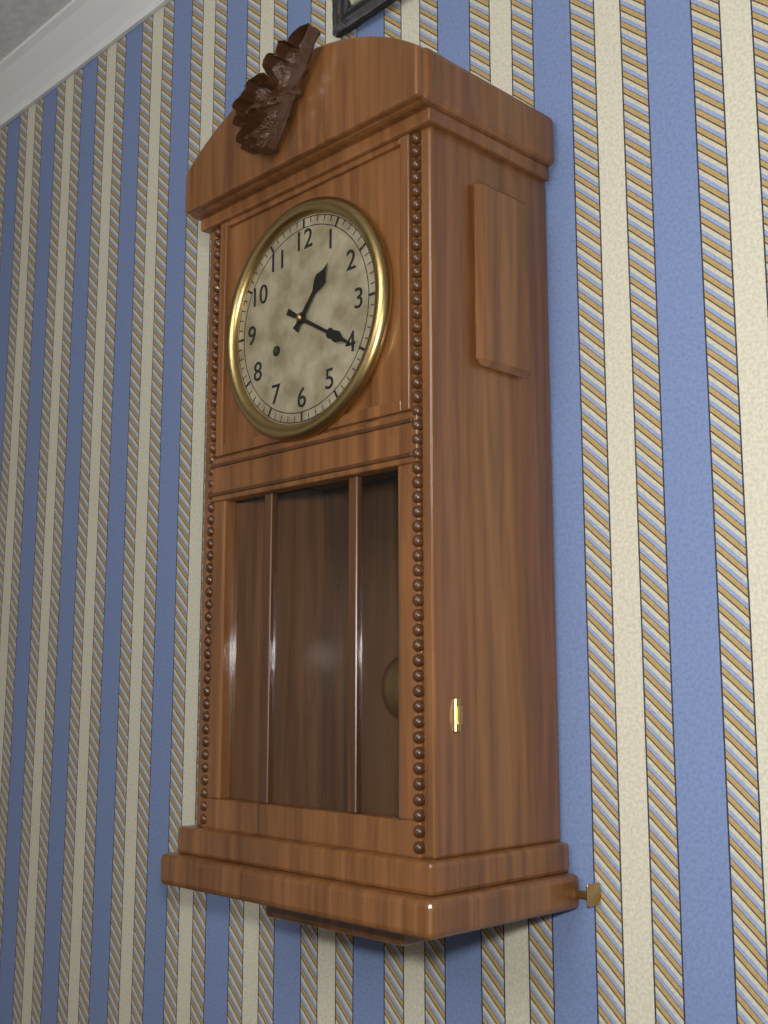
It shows 1,20
